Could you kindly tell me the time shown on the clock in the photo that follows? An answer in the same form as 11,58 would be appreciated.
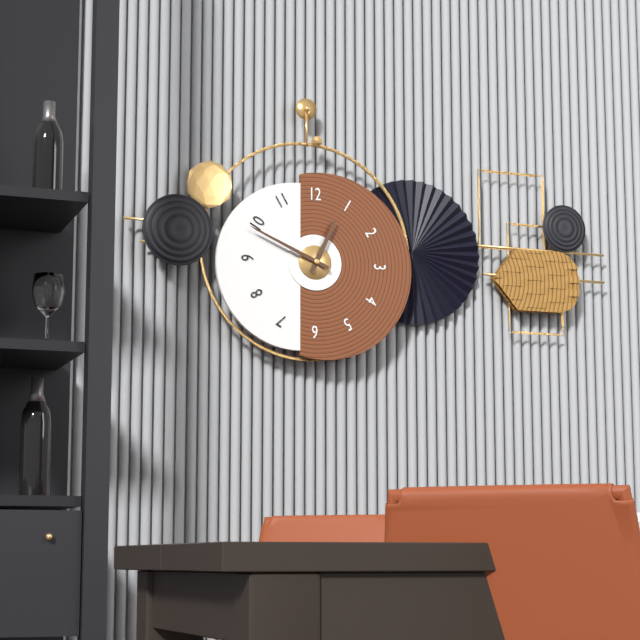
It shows 12,49
